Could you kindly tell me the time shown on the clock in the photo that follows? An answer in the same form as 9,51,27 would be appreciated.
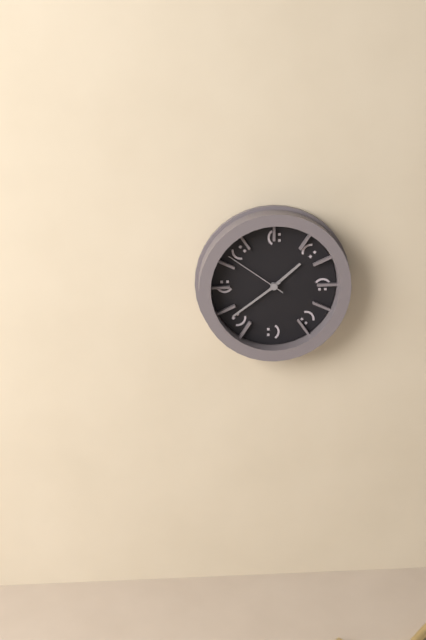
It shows 1,39,51
